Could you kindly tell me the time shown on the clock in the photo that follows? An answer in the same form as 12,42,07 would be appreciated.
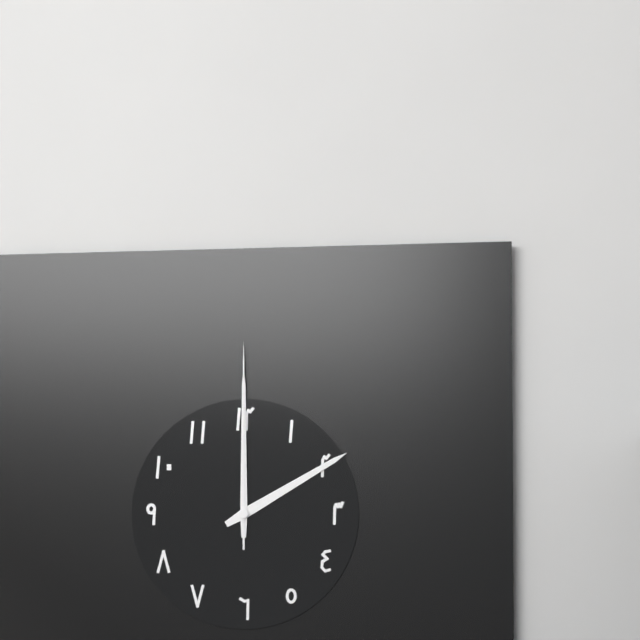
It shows 2,00,00
